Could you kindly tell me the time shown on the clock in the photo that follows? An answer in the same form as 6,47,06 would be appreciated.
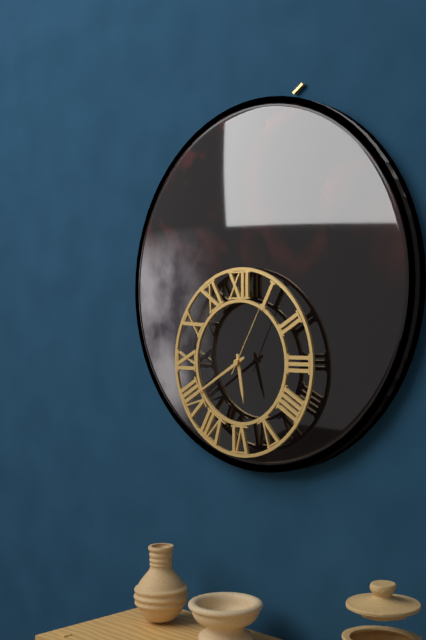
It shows 5,40,05
